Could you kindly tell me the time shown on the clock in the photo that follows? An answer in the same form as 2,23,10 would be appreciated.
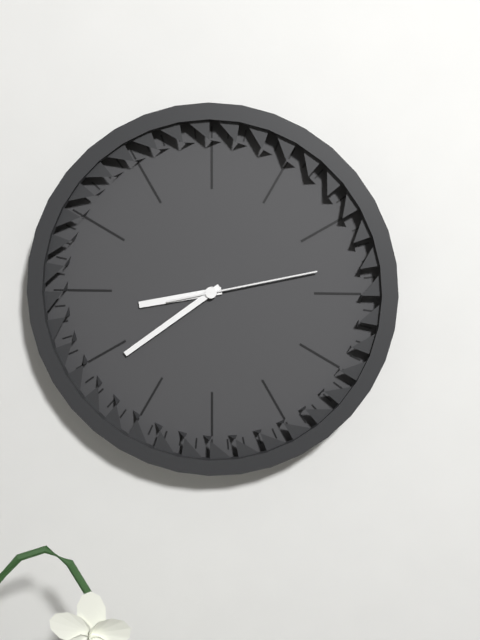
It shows 8,39,13
